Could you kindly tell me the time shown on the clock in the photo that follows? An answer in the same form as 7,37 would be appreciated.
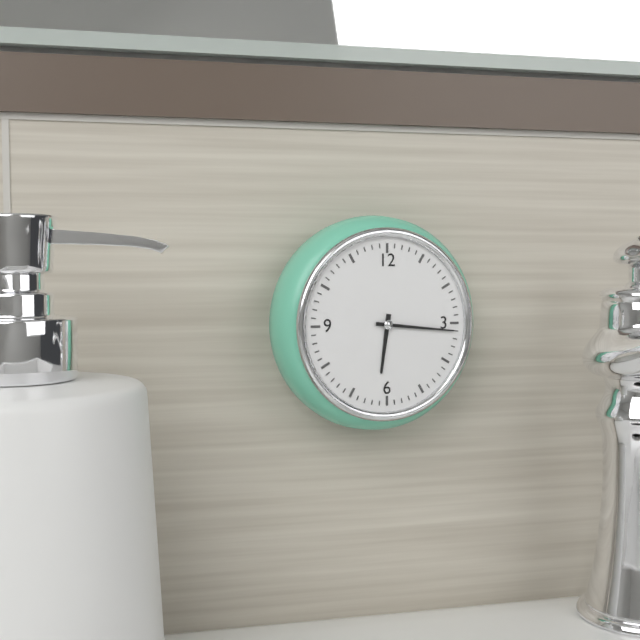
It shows 6,16
